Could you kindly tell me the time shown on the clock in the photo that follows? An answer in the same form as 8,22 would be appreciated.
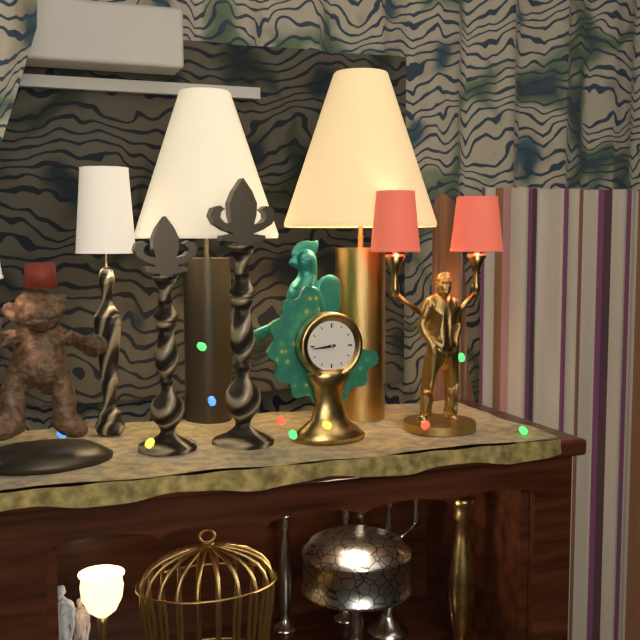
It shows 8,44
